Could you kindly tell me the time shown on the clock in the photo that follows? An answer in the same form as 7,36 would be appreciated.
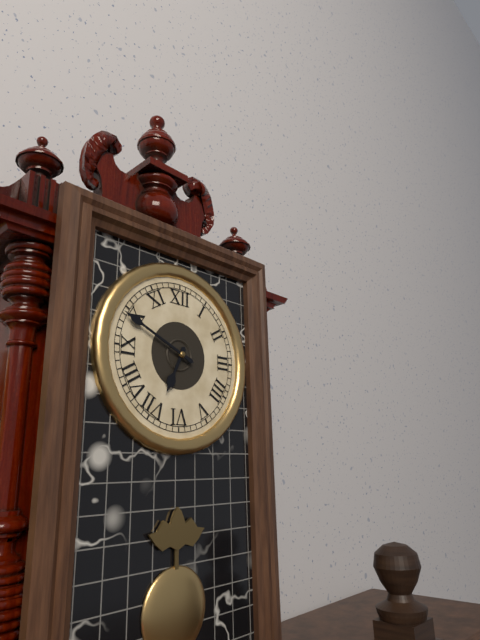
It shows 6,49
